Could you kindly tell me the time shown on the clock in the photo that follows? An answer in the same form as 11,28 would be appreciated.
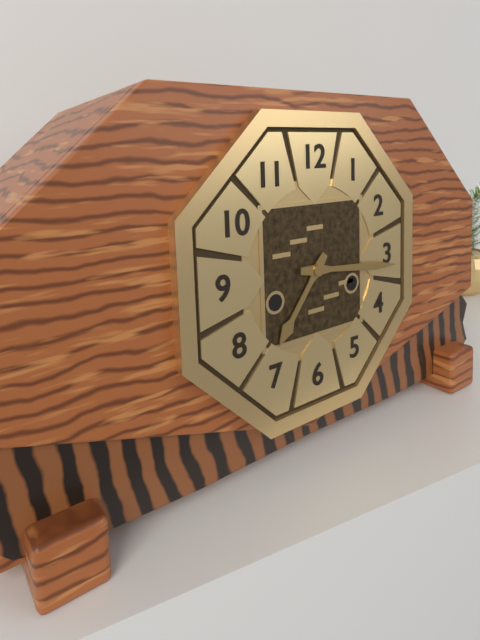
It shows 7,16
